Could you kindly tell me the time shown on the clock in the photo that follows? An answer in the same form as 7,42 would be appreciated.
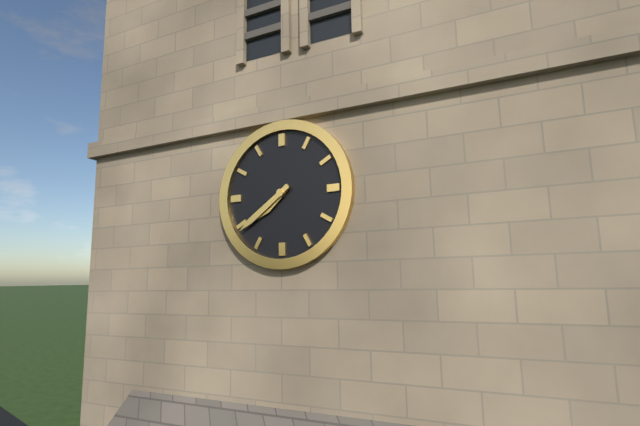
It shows 7,39
